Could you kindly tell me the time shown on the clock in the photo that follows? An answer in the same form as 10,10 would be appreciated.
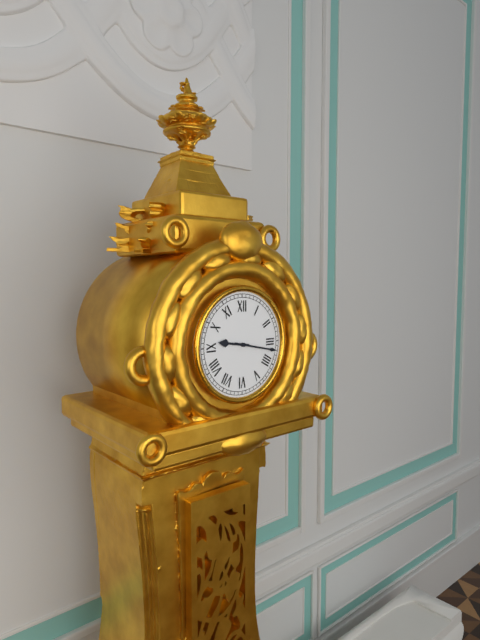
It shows 9,17
